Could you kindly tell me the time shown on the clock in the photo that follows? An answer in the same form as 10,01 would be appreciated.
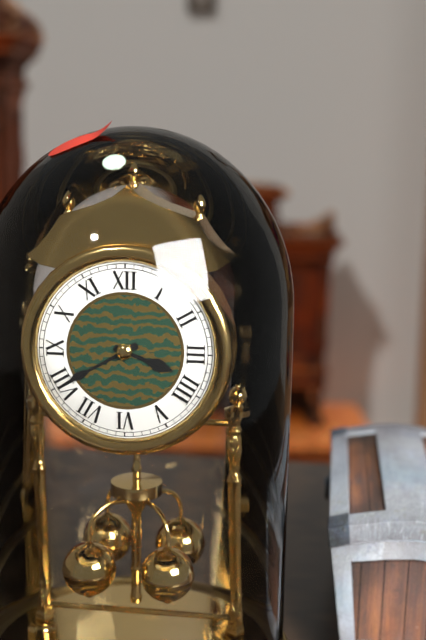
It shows 3,40
